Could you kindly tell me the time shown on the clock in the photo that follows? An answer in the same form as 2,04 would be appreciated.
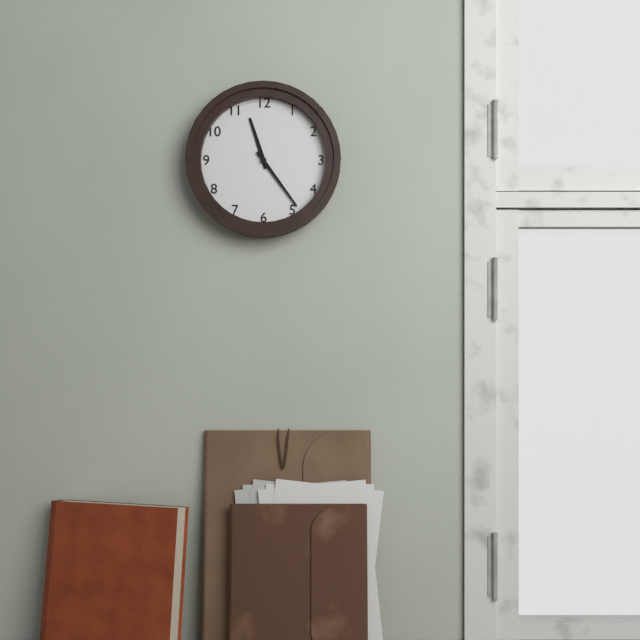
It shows 11,24
